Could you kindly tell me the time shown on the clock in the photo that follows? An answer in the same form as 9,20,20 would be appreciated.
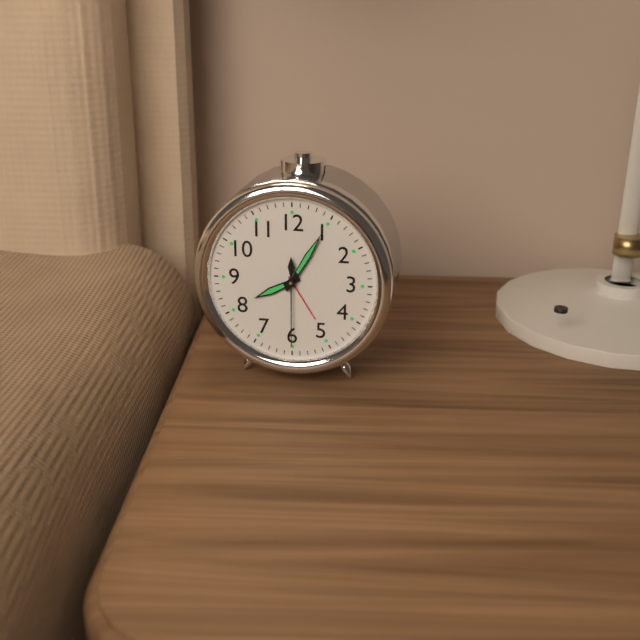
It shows 8,05,30
